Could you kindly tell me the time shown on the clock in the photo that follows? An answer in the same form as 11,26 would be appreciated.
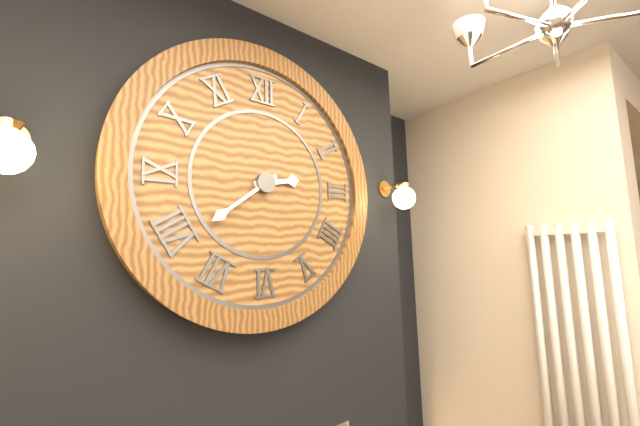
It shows 2,39
